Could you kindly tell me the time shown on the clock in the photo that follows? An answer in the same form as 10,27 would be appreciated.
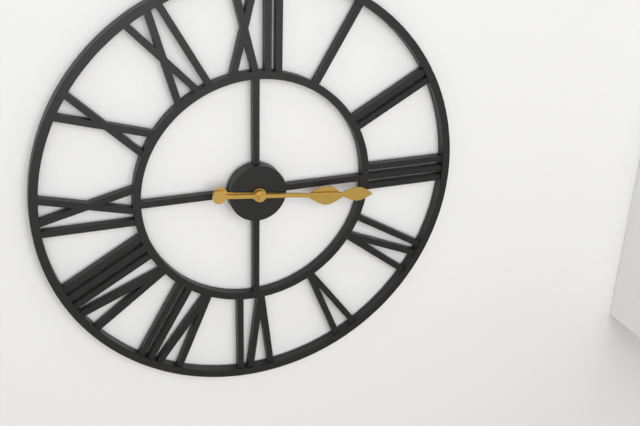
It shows 3,16
